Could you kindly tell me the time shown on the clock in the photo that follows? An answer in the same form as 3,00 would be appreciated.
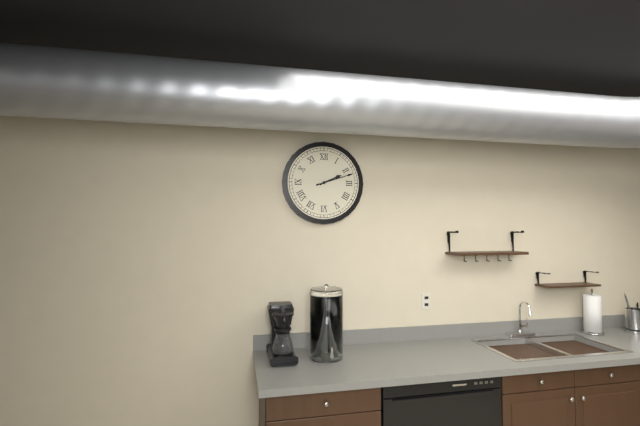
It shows 2,12
